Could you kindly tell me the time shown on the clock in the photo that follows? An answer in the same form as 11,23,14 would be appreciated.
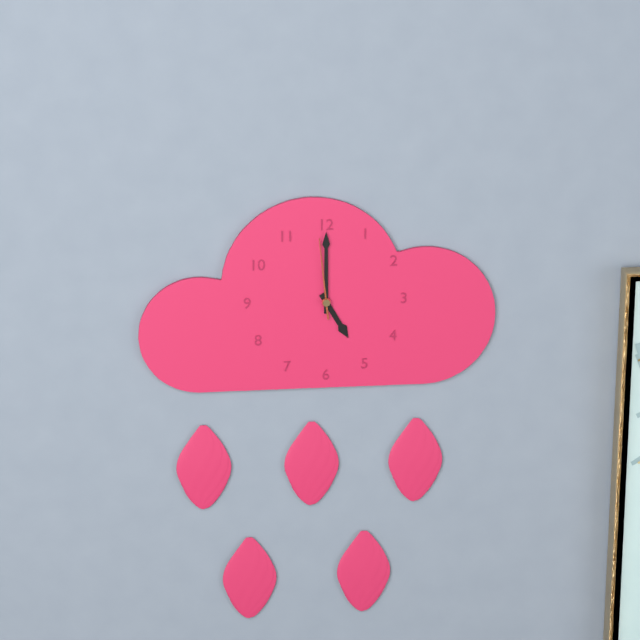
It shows 5,00,59
